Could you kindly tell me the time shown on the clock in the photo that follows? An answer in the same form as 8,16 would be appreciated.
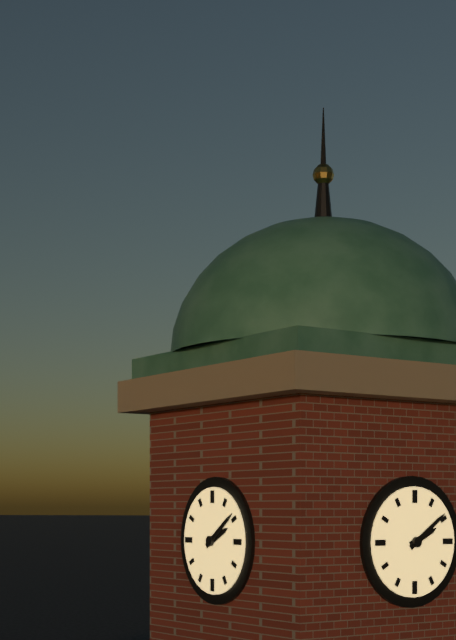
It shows 2,09
